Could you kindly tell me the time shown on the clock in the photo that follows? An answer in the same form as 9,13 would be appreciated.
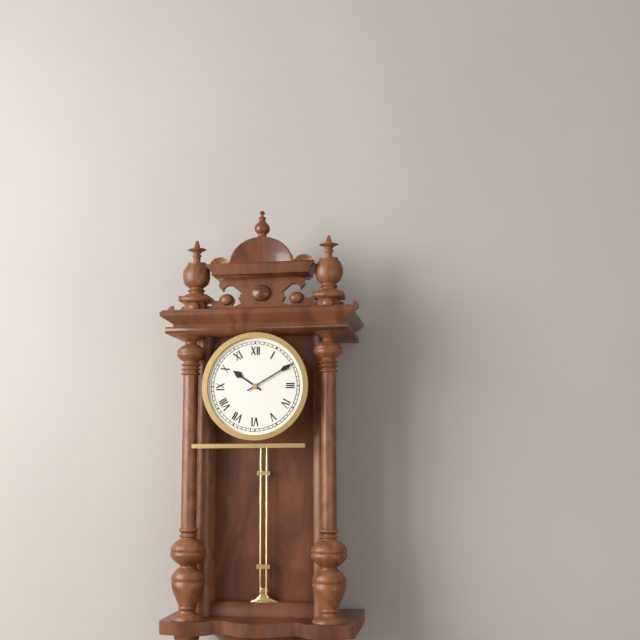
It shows 10,10
